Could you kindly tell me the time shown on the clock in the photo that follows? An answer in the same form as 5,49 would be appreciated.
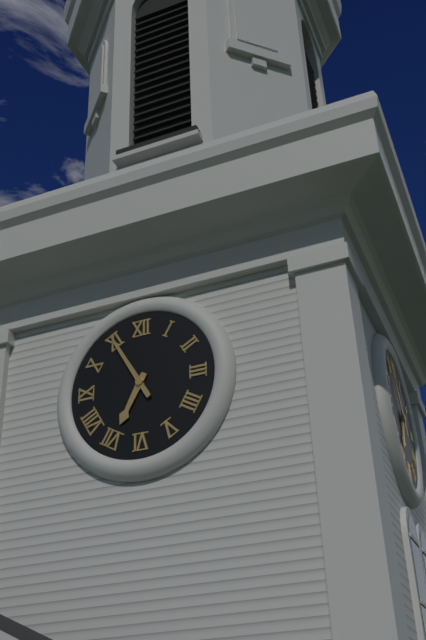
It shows 6,55
